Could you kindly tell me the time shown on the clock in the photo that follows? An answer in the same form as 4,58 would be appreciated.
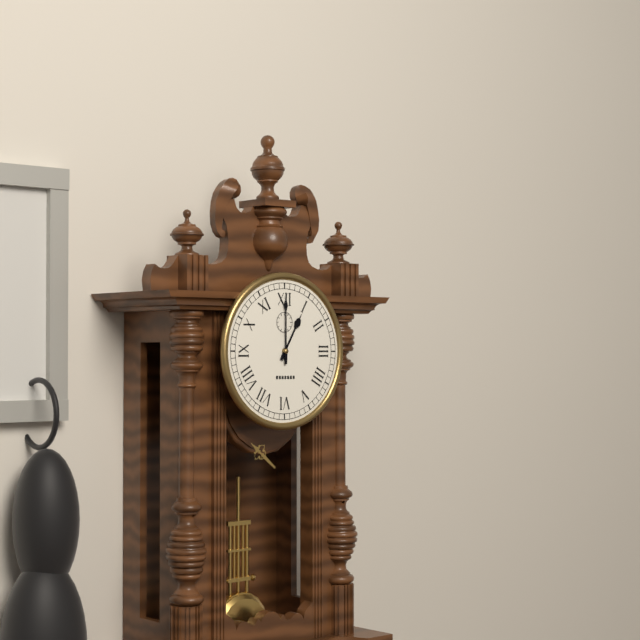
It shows 1,00
